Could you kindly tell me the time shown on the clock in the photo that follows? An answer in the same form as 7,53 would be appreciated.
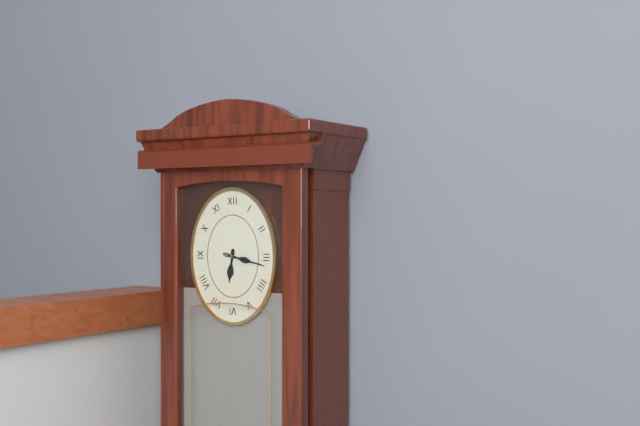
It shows 6,17
